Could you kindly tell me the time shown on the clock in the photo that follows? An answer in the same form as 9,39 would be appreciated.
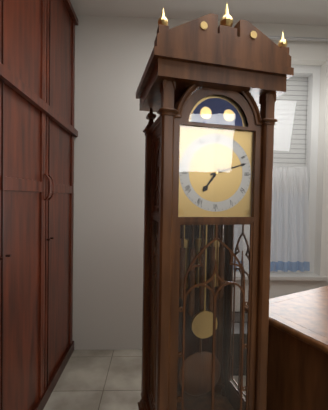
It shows 7,12
